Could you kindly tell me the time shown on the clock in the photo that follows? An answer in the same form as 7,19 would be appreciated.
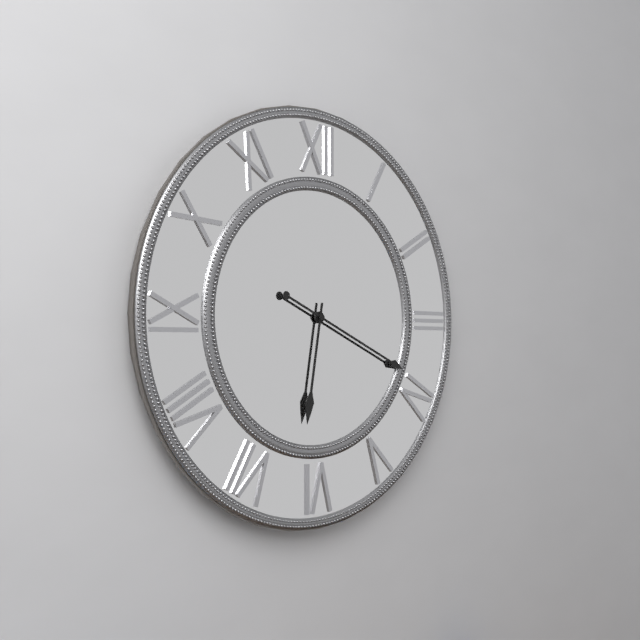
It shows 6,19
